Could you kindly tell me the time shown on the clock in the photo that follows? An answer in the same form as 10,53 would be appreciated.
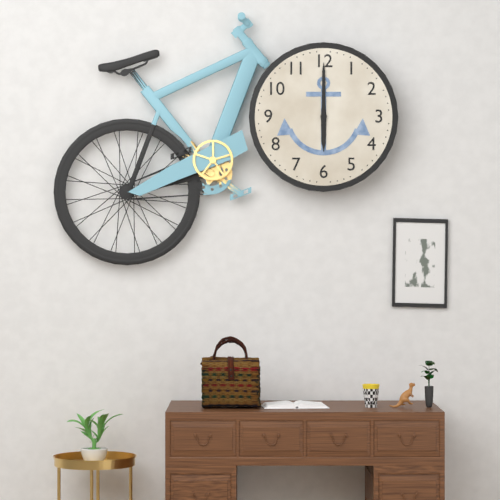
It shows 6,00
